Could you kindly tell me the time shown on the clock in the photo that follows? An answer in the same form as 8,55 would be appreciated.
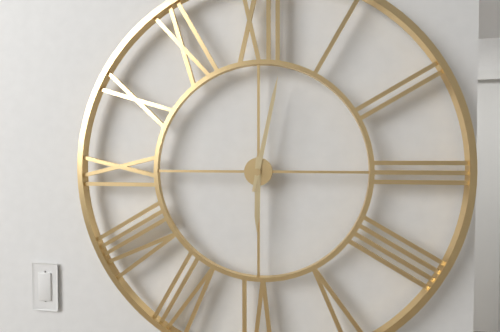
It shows 6,02
